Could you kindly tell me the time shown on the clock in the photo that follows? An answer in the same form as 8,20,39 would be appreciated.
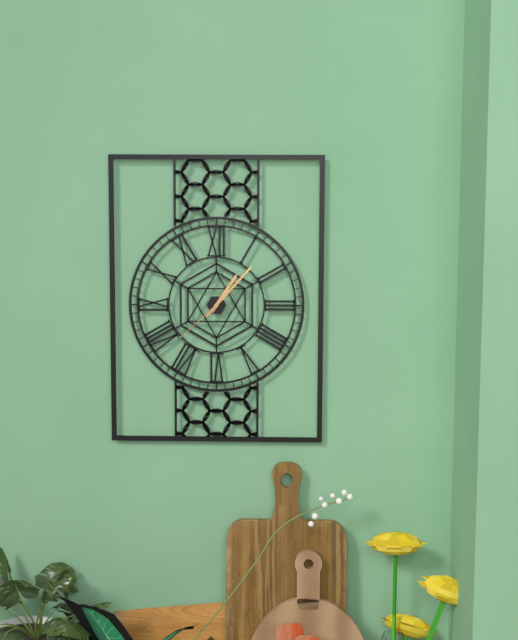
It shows 1,07,38
